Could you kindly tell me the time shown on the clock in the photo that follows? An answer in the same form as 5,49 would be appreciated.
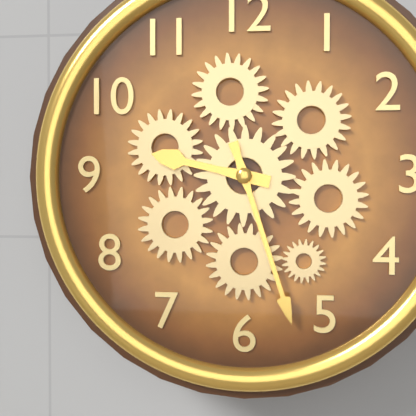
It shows 9,27
